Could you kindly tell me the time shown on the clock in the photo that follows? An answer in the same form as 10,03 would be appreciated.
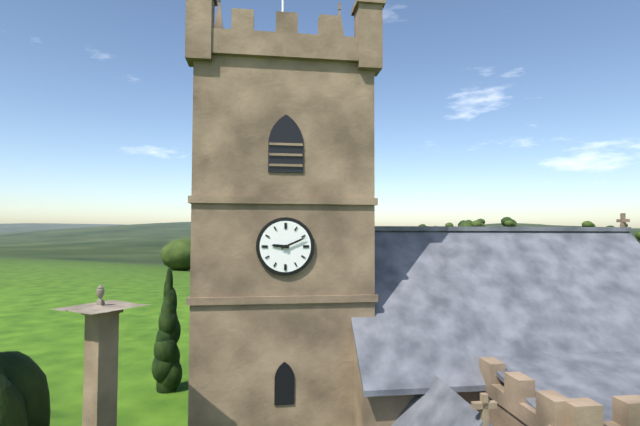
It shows 9,11
